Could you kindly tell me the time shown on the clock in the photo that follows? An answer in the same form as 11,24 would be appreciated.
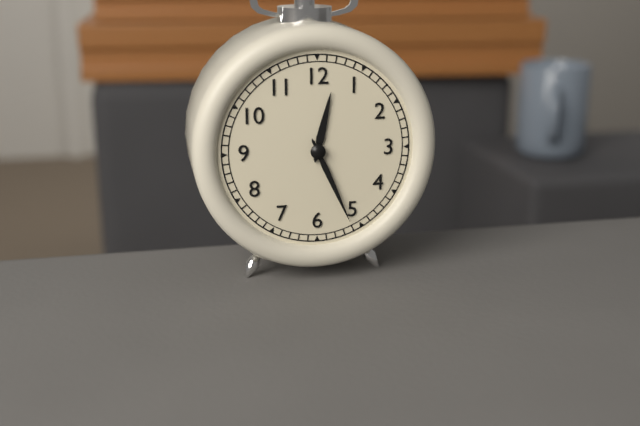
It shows 12,26
